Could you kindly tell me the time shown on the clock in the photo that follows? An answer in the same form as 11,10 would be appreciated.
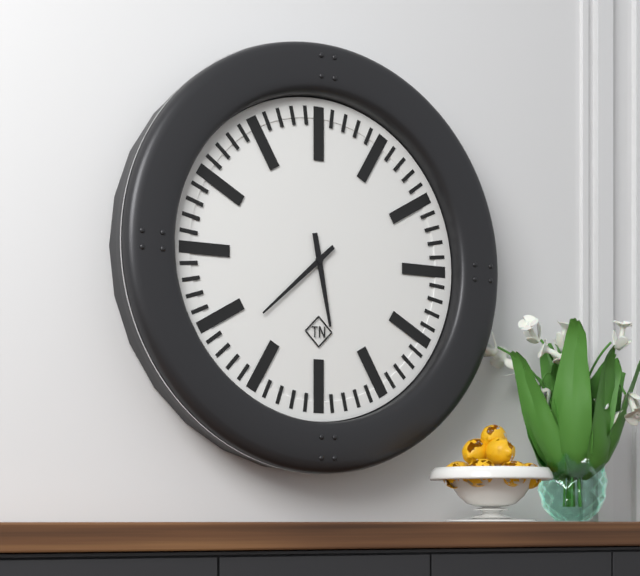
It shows 5,38
